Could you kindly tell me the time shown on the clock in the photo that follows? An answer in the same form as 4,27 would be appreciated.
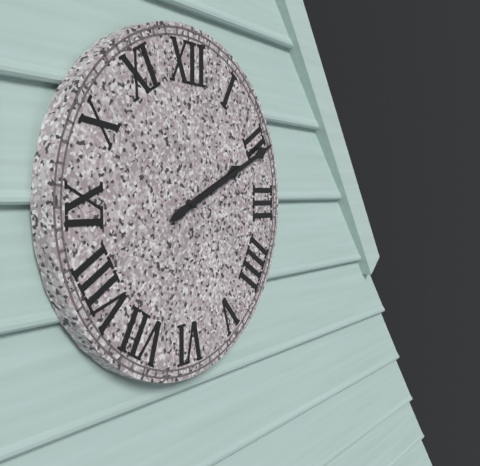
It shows 2,11
